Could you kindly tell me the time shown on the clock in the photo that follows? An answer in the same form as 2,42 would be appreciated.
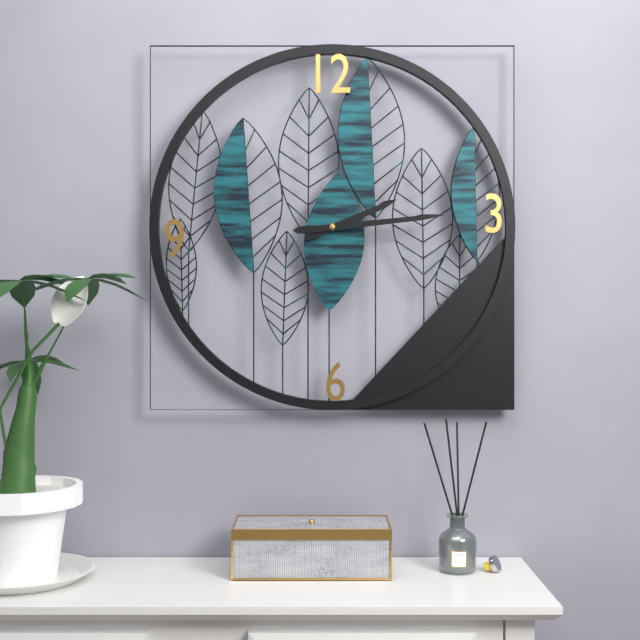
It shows 2,14
